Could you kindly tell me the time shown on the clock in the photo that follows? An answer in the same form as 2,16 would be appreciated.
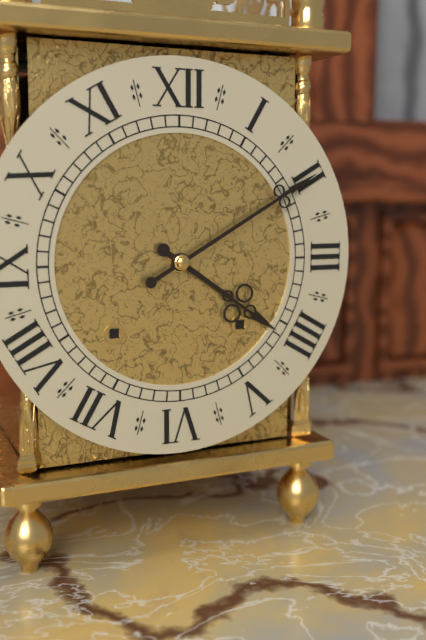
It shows 4,10
